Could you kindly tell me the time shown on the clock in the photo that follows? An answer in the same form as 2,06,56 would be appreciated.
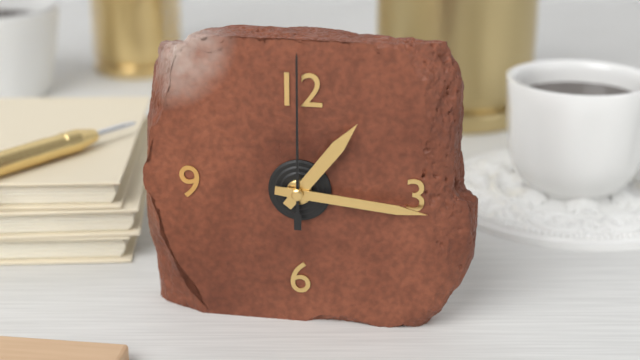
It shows 1,16,00
